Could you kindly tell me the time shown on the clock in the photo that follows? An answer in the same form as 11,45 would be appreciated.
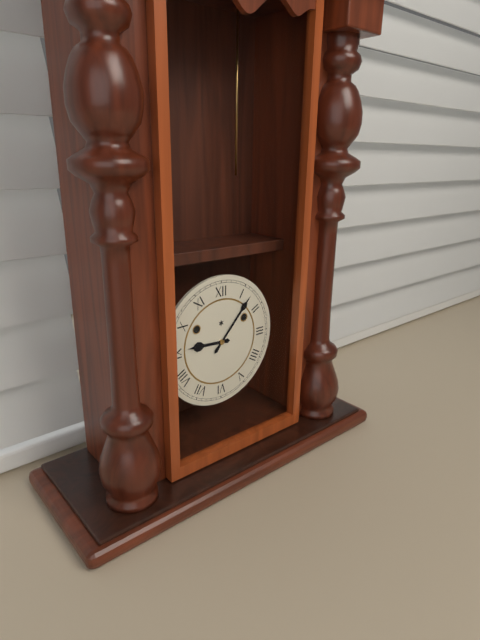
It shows 9,07
